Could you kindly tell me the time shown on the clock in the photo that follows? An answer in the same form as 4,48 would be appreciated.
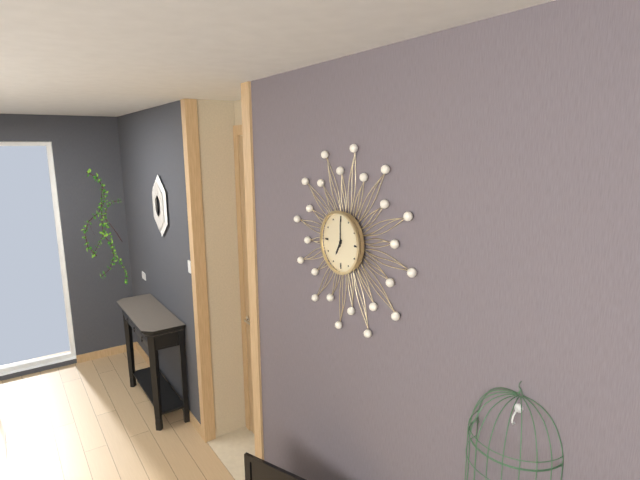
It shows 7,00
